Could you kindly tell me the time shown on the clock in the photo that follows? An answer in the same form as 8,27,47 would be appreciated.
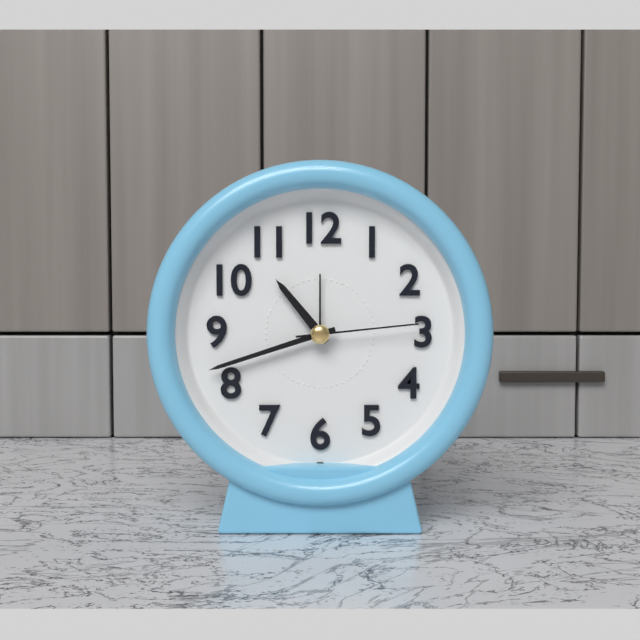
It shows 10,42,14
